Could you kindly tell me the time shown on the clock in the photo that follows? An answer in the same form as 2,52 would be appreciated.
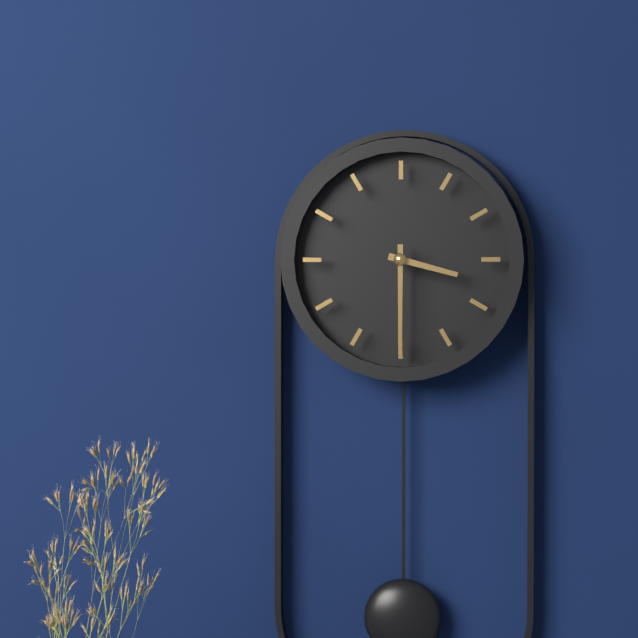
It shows 3,30
